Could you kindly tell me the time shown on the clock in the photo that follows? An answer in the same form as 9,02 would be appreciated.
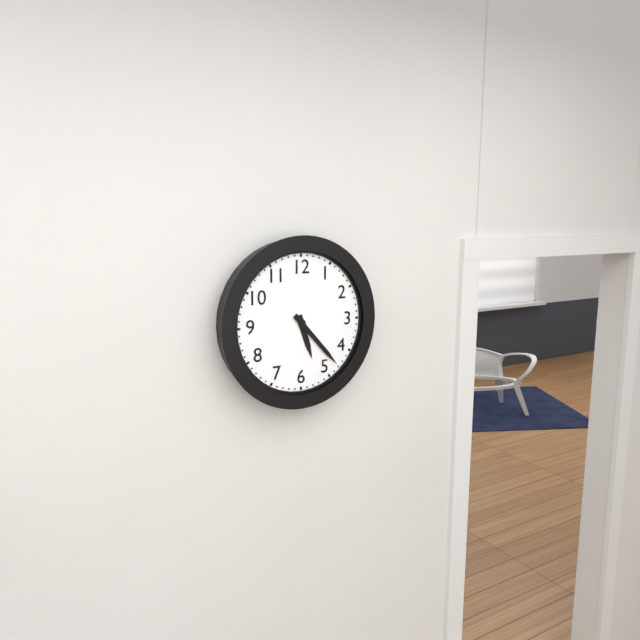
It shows 5,23
